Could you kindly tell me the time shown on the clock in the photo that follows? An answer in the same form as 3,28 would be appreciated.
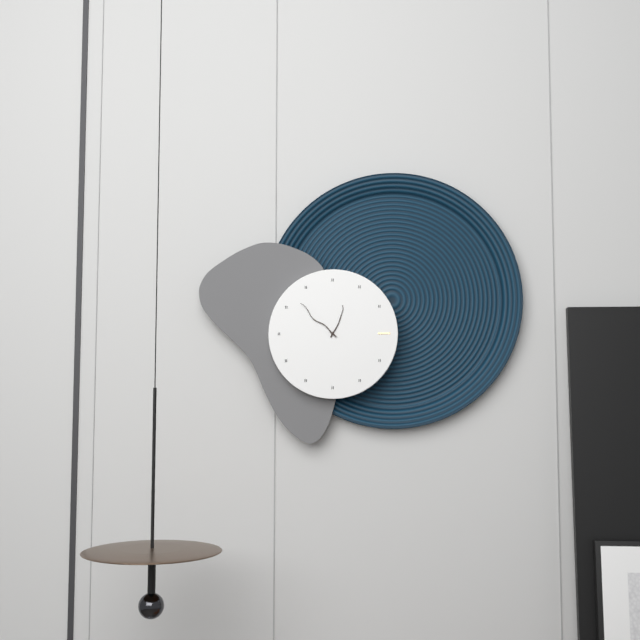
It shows 12,52
